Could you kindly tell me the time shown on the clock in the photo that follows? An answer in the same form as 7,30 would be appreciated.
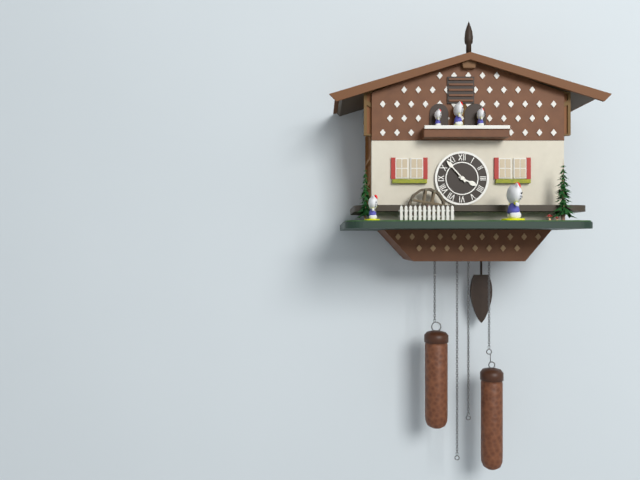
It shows 3,53
